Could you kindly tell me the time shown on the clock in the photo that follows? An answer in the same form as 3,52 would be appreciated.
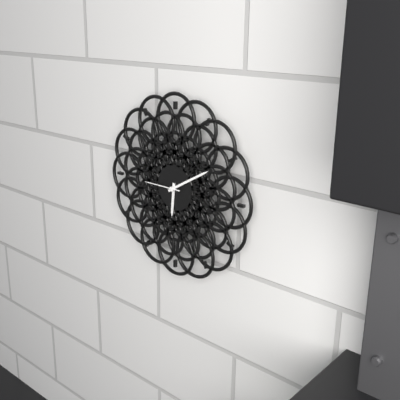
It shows 6,10
